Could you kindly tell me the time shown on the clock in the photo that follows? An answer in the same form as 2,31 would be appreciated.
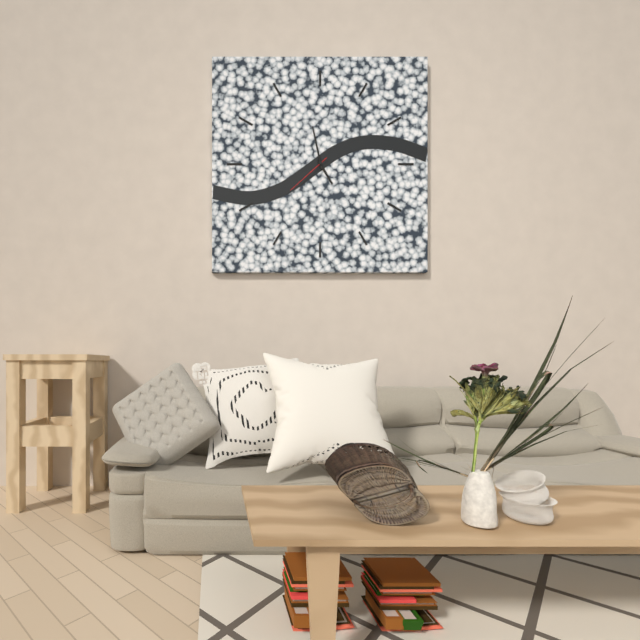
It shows 4,58
